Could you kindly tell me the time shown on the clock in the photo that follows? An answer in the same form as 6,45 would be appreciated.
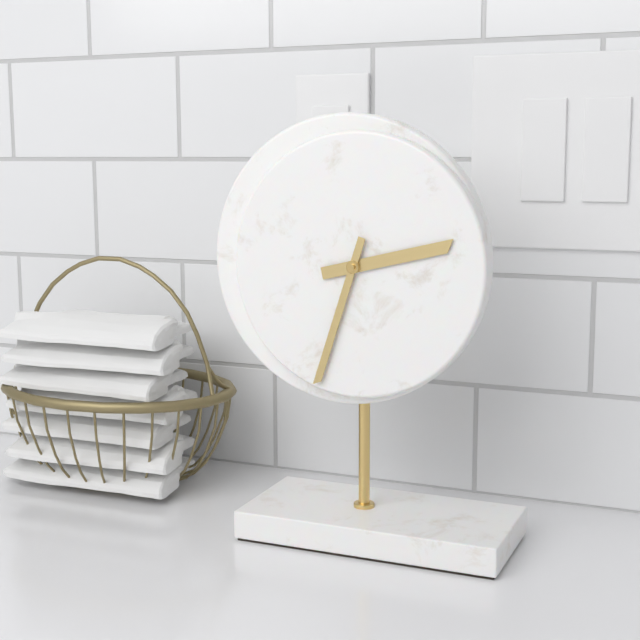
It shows 2,33
